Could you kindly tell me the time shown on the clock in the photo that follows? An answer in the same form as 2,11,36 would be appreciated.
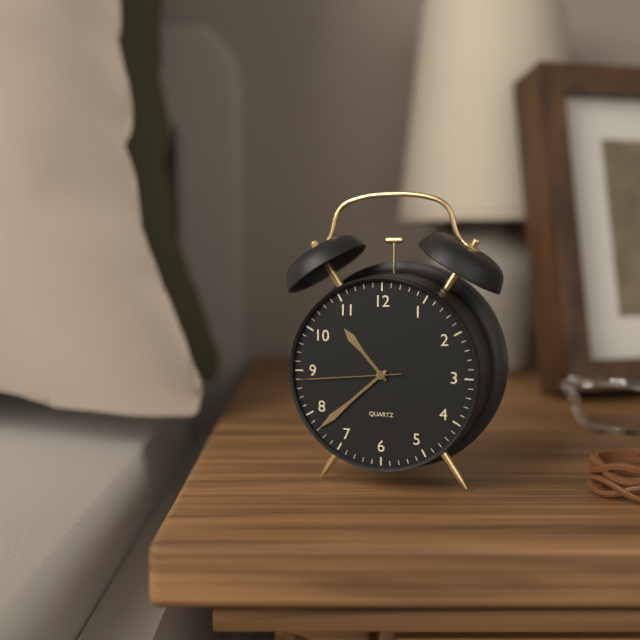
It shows 10,38,44
